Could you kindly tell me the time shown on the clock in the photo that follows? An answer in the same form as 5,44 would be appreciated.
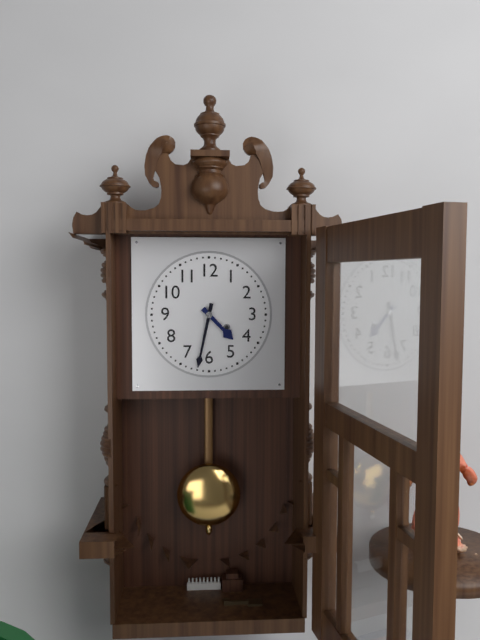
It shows 4,32
